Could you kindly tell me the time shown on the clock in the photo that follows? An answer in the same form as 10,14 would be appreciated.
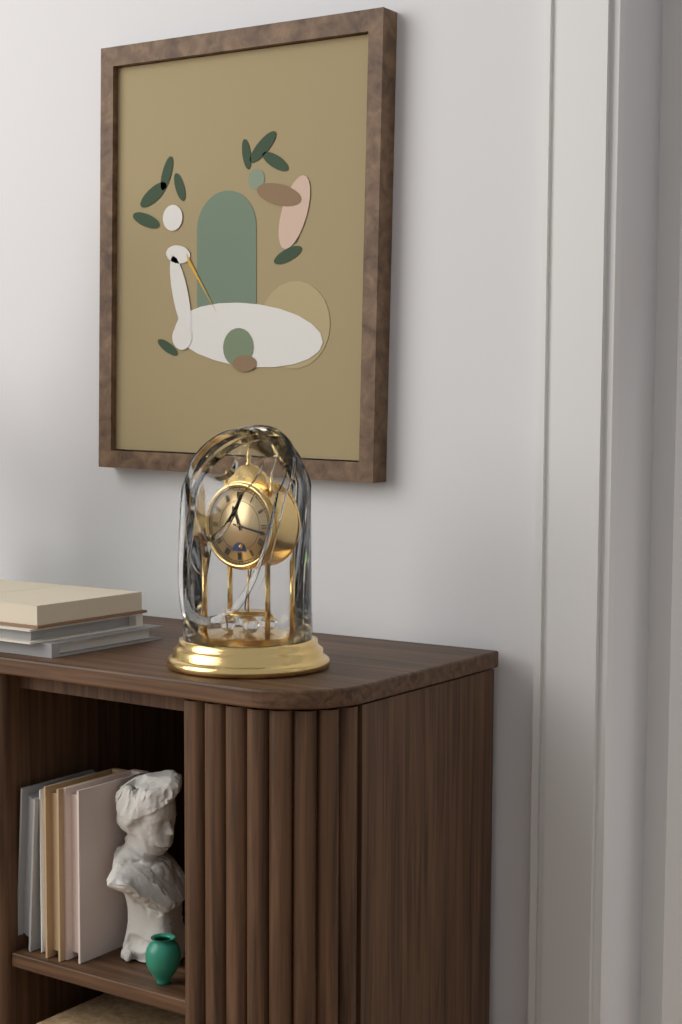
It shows 11,17
